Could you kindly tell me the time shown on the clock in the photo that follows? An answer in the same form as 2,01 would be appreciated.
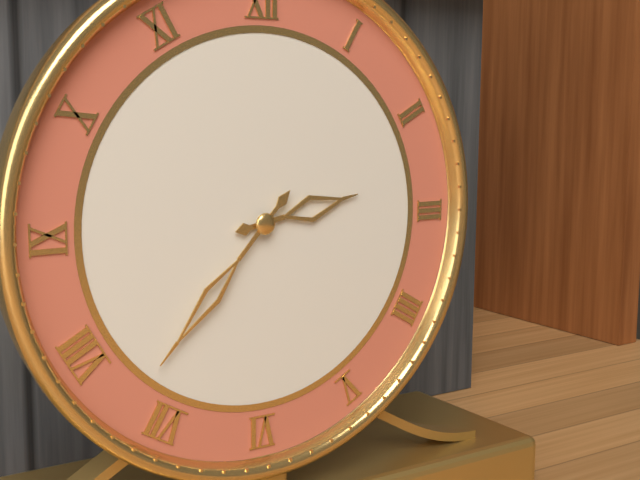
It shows 2,37
